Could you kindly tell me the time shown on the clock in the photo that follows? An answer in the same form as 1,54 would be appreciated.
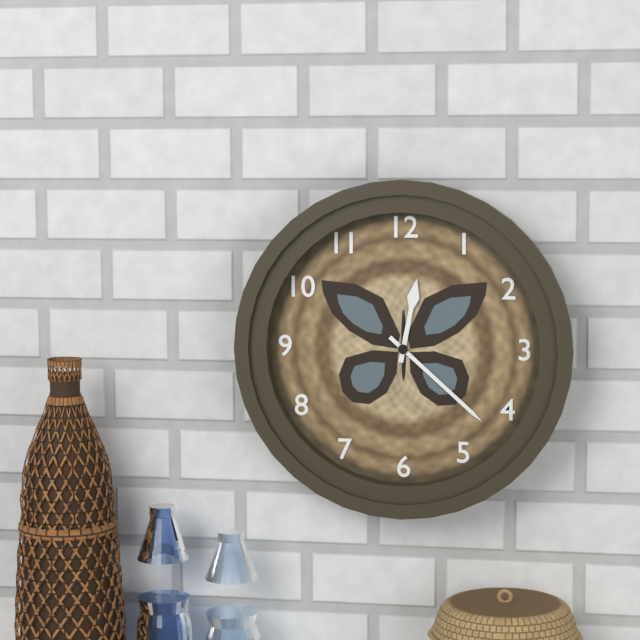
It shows 12,22
